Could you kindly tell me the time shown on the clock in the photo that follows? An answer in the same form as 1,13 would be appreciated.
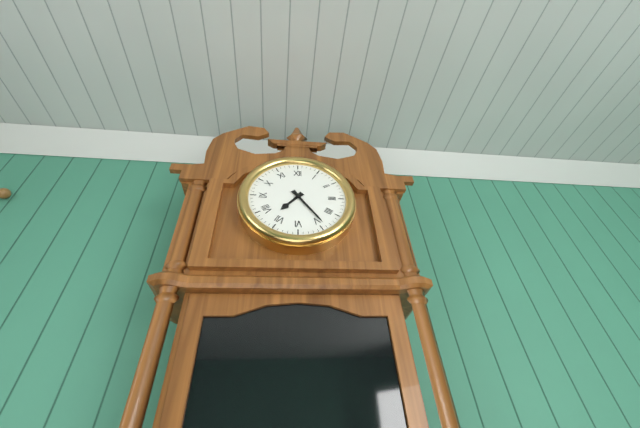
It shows 7,24
